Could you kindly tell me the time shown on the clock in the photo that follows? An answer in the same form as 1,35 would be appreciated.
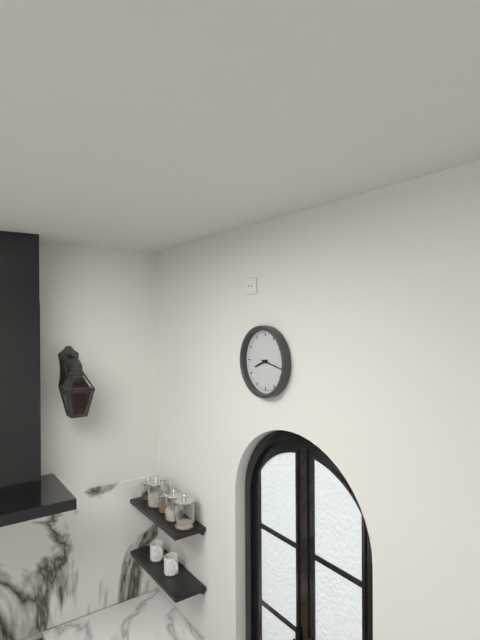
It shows 8,17
